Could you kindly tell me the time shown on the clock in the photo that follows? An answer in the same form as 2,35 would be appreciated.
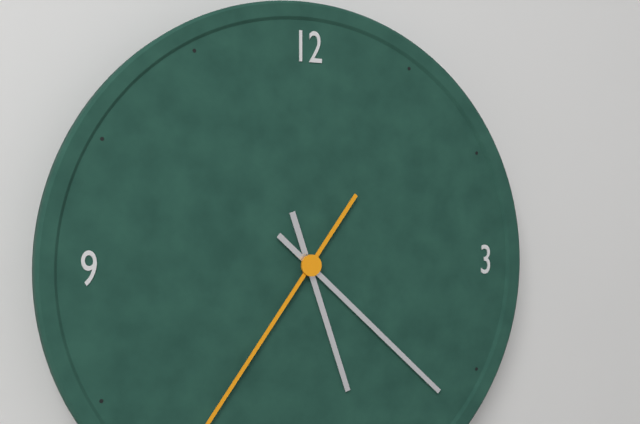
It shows 5,22
